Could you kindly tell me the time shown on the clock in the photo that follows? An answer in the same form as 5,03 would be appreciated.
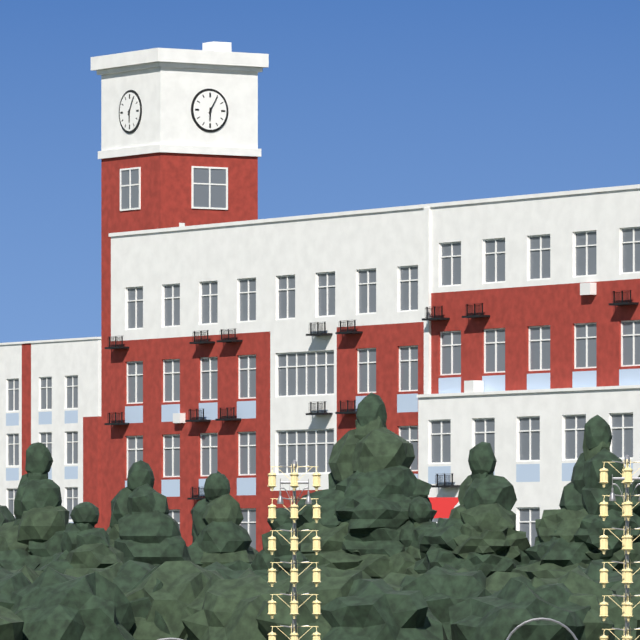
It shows 6,05
